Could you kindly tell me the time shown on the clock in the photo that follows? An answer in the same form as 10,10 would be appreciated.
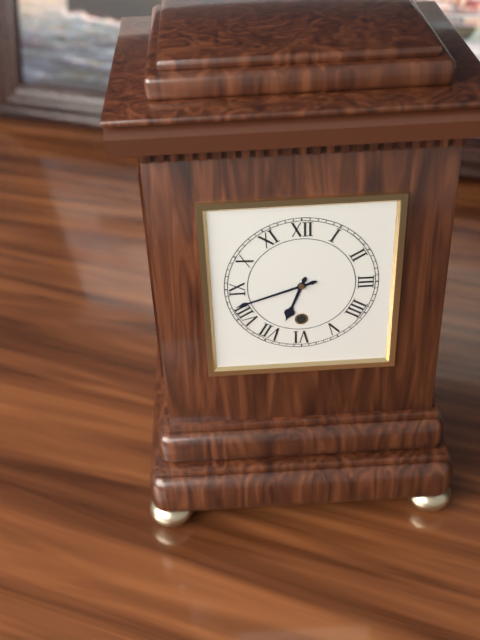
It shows 6,42
